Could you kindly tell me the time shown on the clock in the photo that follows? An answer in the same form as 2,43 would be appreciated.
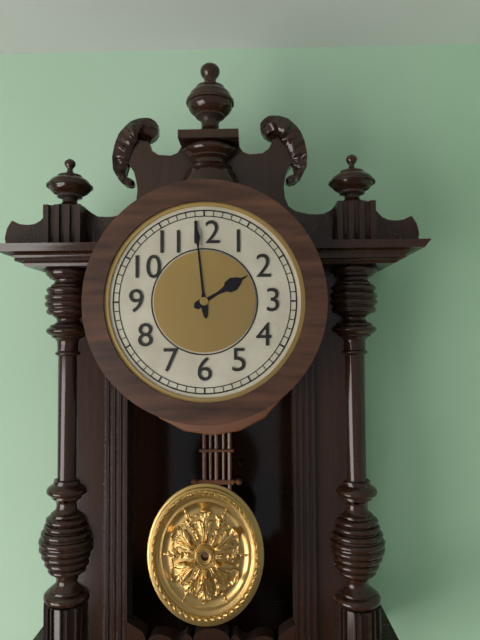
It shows 1,59
